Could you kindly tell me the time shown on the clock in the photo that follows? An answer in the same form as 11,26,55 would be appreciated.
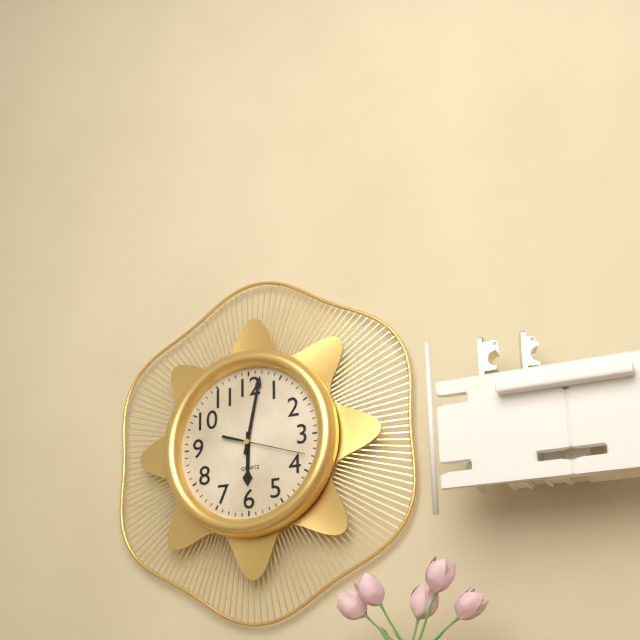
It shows 6,02,18
